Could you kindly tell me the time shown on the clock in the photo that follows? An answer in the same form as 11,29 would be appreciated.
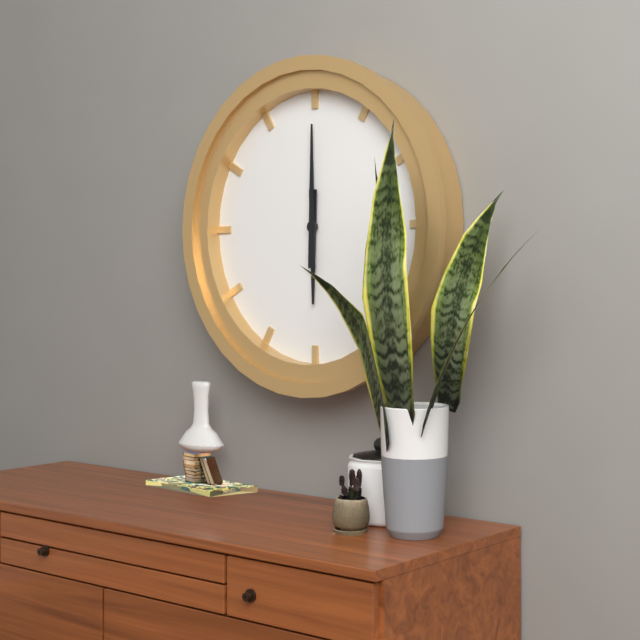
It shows 6,00
